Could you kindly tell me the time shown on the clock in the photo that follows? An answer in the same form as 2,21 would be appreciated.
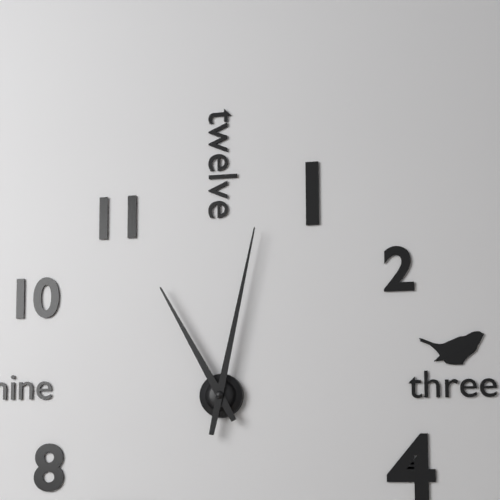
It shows 11,02
